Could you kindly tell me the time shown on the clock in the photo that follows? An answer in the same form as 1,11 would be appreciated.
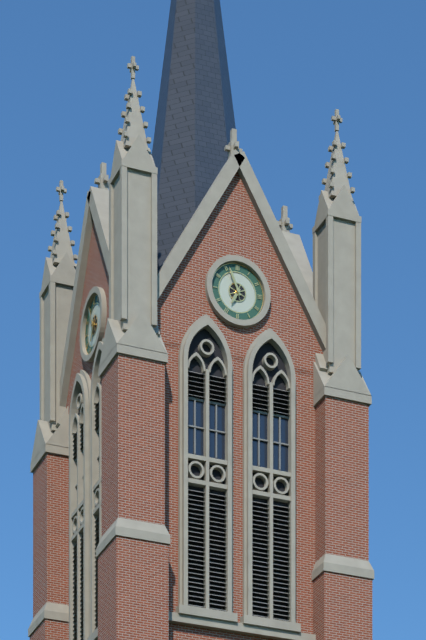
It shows 6,56
